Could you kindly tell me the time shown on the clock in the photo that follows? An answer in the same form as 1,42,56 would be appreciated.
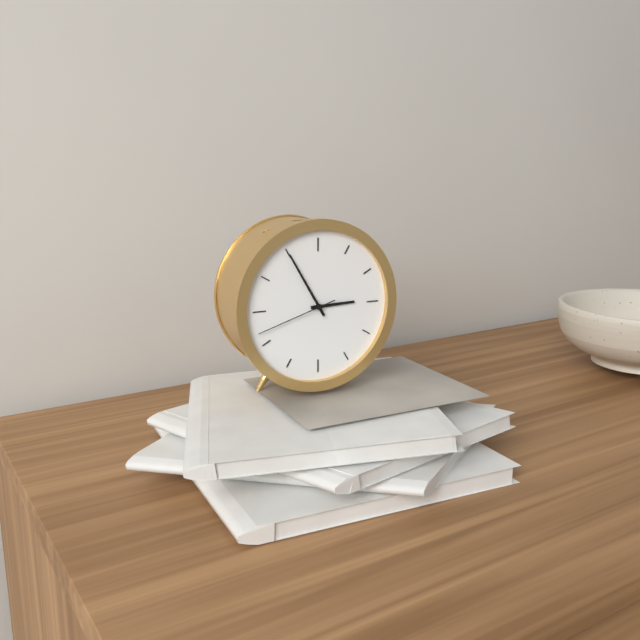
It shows 2,55,42
